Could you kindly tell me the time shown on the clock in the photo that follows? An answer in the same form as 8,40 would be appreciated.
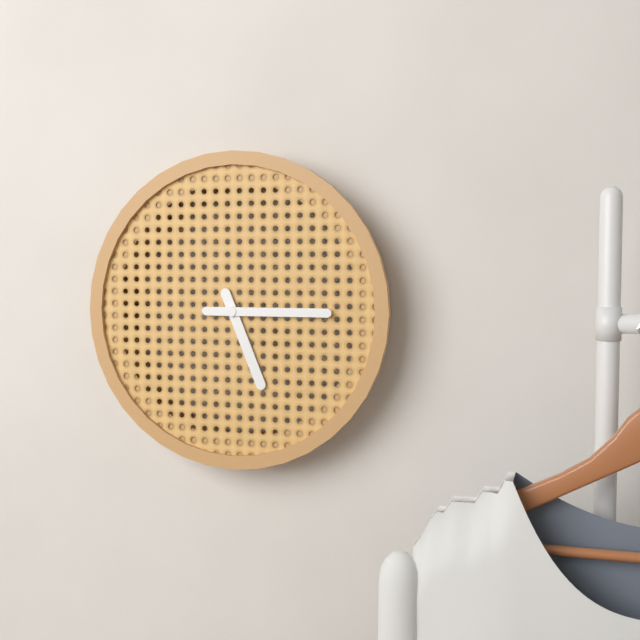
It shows 5,15
